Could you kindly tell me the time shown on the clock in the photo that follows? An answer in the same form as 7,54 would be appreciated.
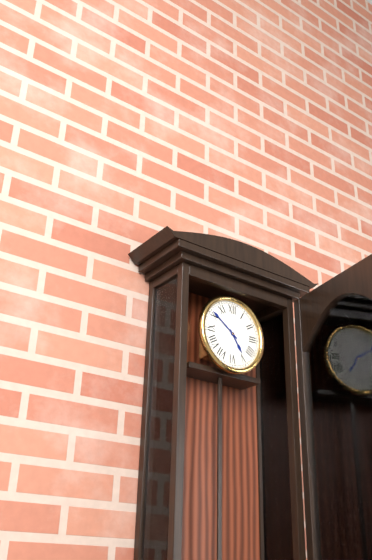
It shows 4,51
